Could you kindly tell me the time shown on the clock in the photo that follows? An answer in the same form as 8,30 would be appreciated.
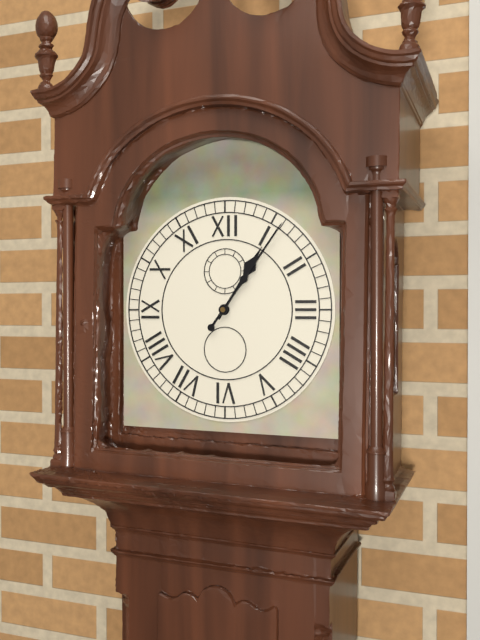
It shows 1,06
